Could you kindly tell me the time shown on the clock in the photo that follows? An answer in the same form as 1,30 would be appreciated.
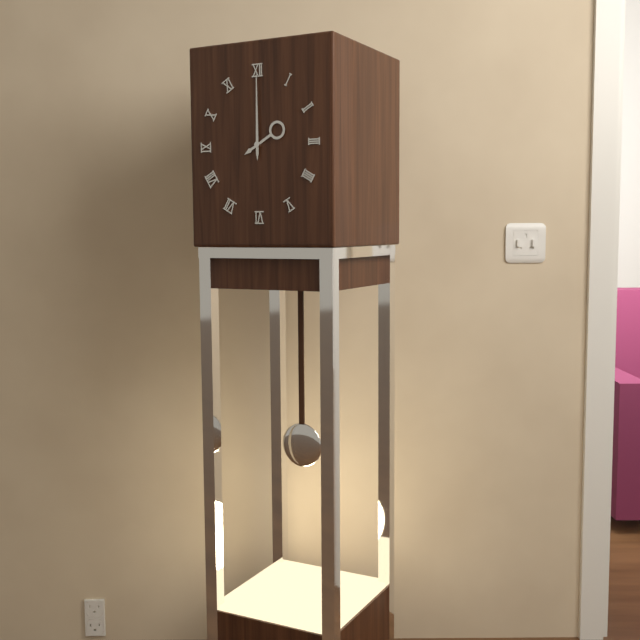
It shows 2,00
